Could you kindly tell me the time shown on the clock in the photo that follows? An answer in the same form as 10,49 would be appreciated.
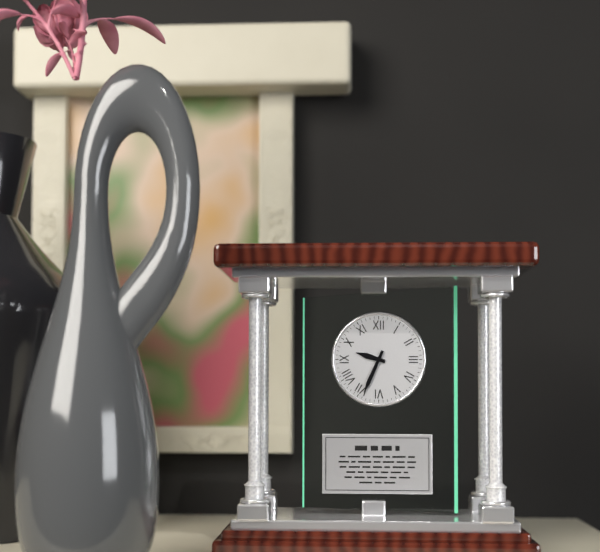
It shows 9,34
